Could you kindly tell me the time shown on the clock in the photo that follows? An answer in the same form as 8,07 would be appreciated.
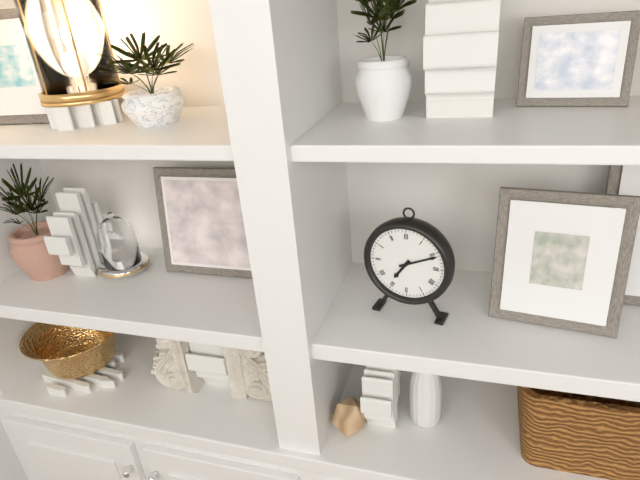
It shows 7,11
